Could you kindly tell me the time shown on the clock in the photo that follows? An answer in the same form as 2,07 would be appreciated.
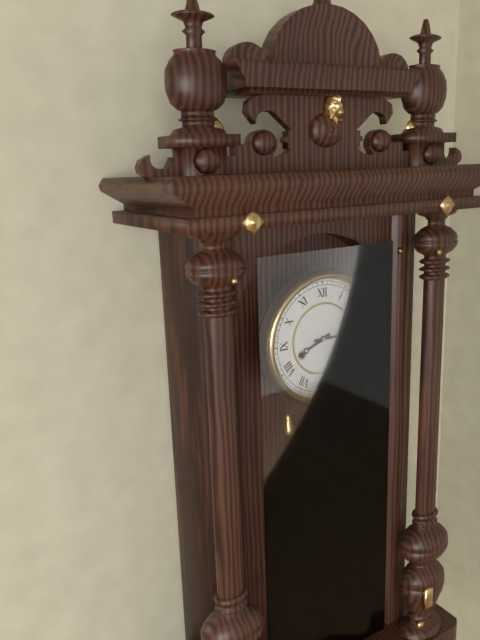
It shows 8,15
